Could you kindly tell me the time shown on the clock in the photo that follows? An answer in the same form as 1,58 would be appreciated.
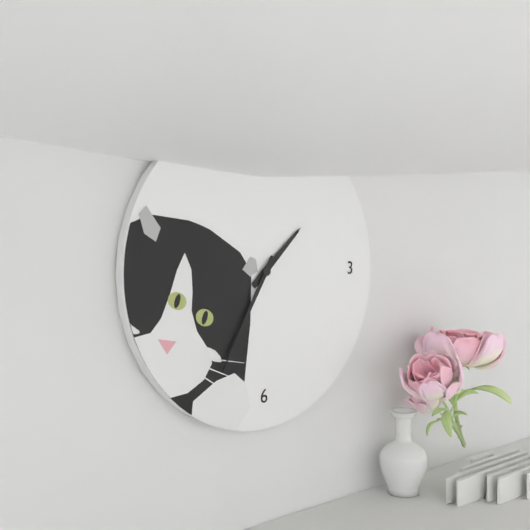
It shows 1,35
